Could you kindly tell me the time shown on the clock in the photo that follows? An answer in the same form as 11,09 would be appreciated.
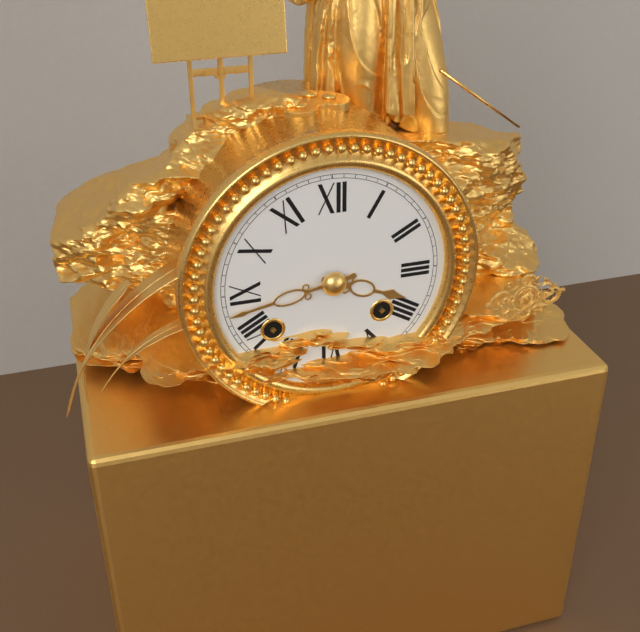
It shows 3,43
